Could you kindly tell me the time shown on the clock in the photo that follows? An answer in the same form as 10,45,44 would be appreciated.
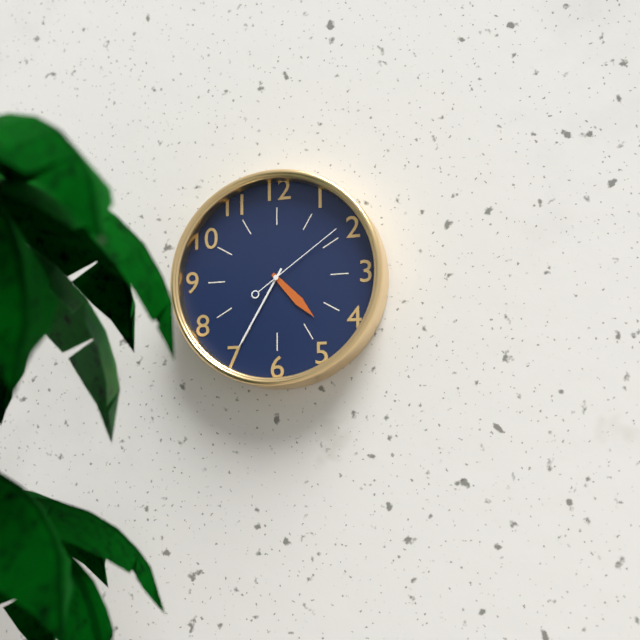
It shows 4,35,09
